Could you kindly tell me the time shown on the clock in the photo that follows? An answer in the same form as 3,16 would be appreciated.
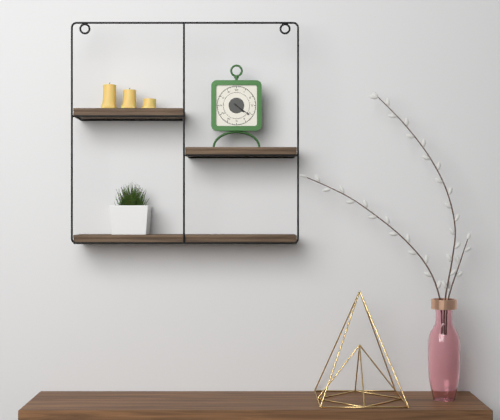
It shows 4,21
